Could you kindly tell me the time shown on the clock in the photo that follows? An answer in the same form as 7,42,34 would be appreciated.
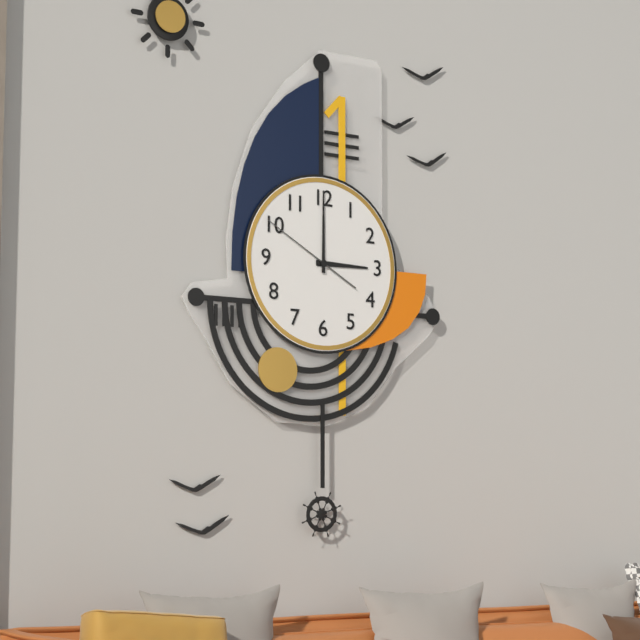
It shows 3,00,50
